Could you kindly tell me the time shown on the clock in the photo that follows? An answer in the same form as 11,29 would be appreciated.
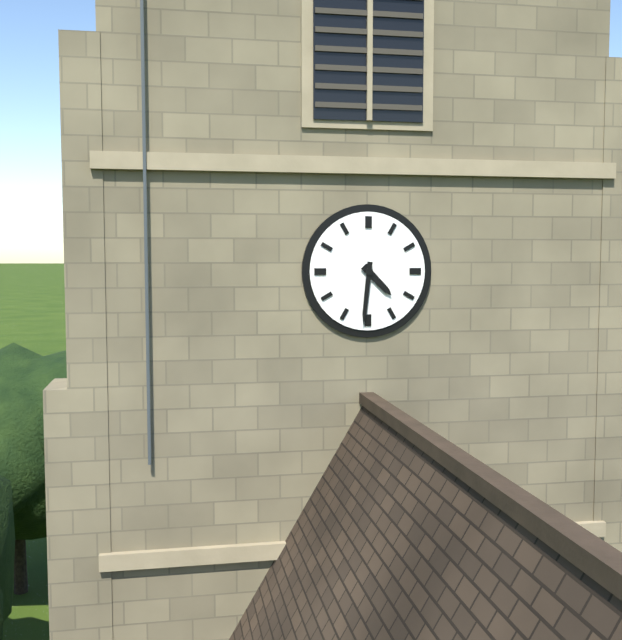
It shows 4,31
